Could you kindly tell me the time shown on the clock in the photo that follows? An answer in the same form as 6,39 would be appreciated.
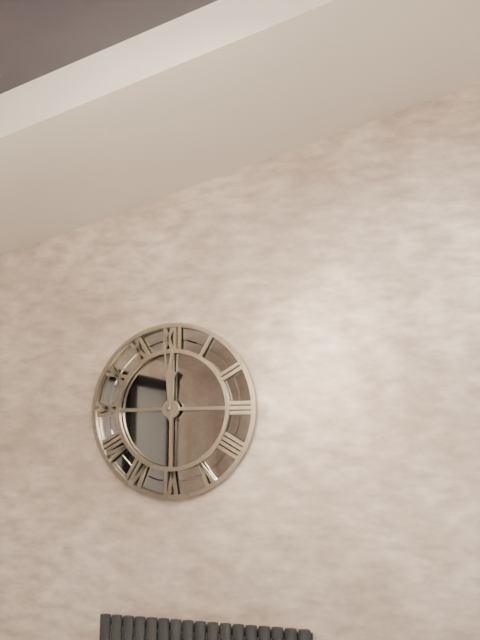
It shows 11,59
